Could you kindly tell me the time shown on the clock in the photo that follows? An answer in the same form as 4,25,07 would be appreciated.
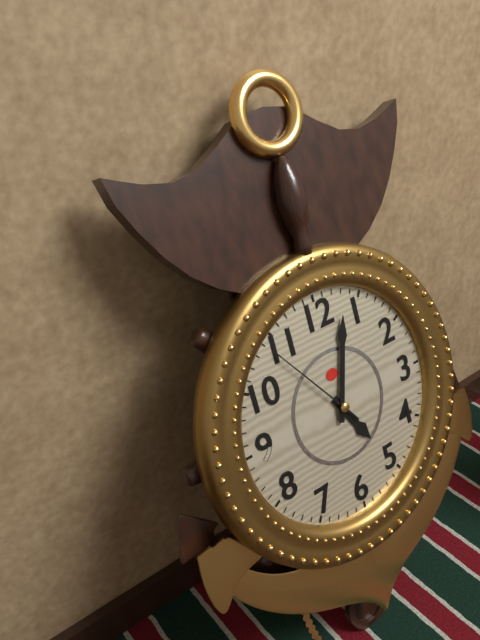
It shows 5,03,54
